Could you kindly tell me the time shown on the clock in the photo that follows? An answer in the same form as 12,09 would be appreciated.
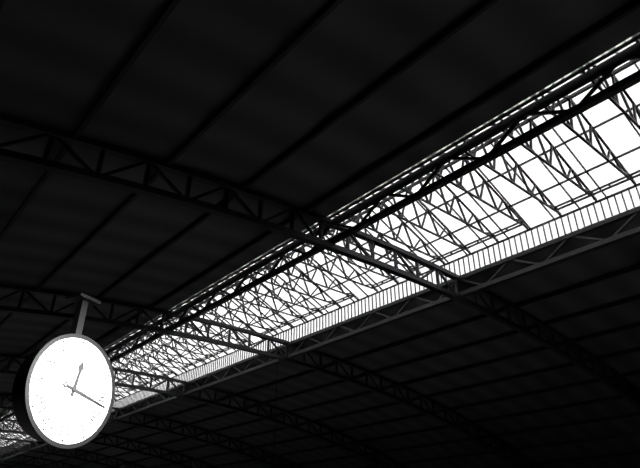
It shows 12,17
